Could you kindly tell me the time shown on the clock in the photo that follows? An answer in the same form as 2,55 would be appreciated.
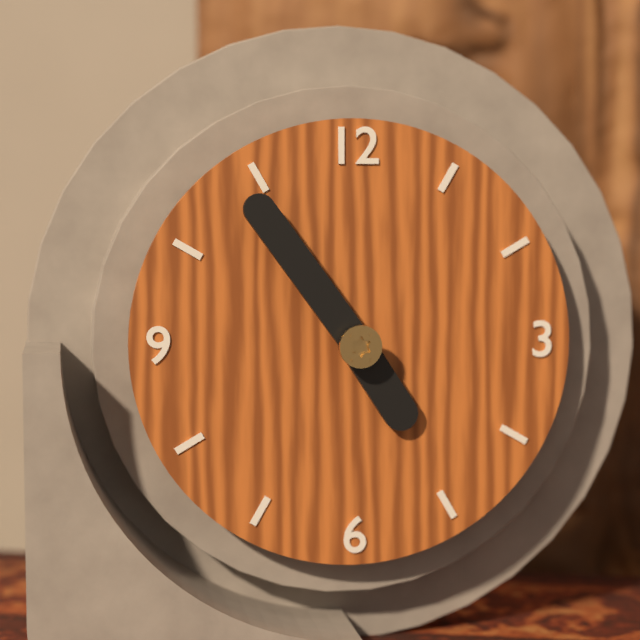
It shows 4,54
